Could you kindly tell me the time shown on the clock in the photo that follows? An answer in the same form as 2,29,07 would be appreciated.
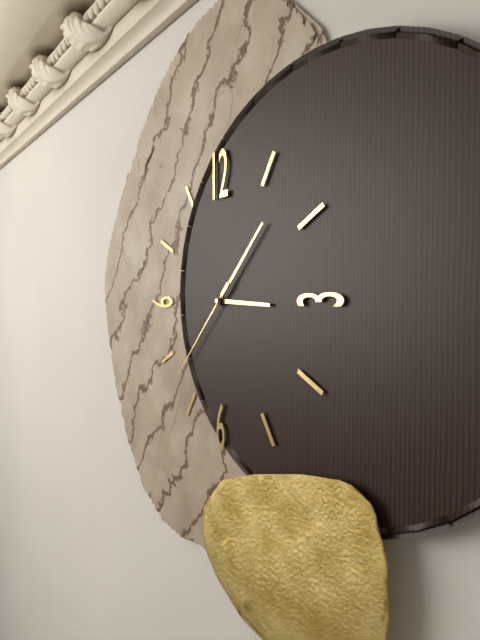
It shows 3,07,37
